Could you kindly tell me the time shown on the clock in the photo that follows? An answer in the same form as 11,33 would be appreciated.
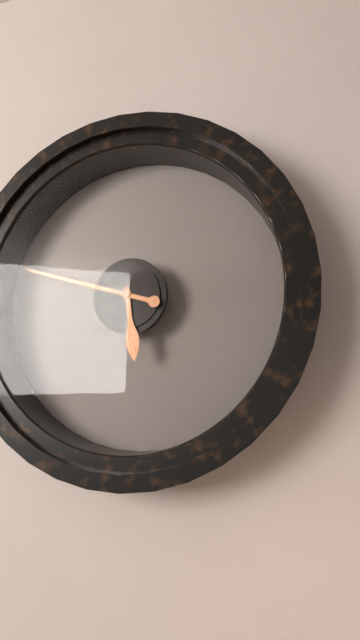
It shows 5,48
